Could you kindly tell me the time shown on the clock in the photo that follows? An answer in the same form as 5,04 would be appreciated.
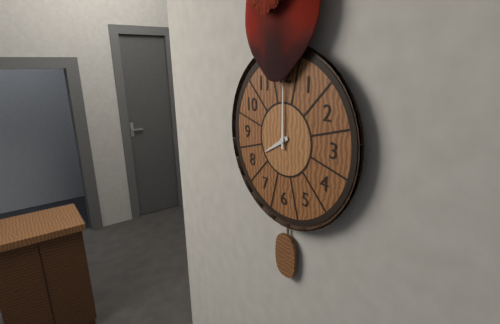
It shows 8,00
